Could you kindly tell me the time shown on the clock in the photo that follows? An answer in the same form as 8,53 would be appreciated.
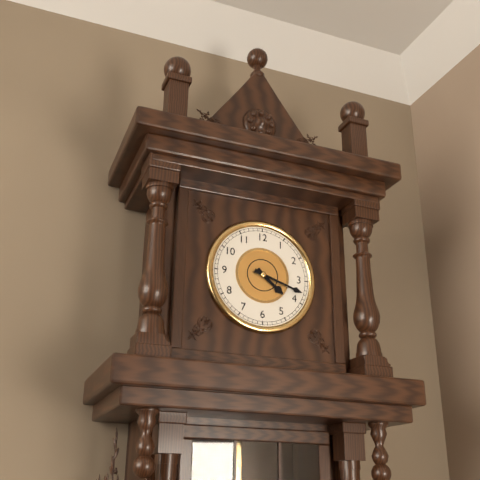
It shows 4,18
